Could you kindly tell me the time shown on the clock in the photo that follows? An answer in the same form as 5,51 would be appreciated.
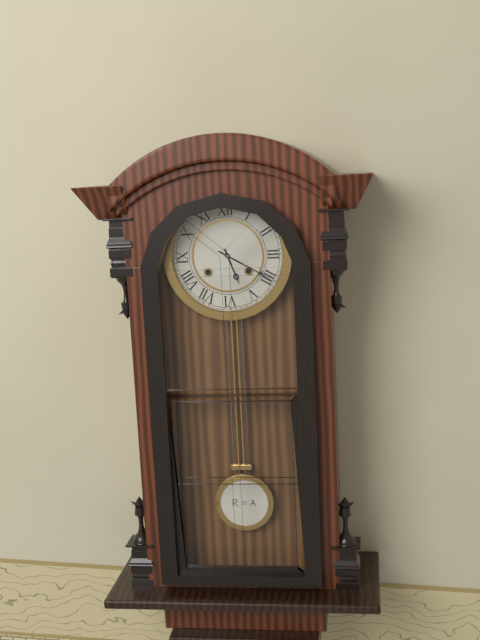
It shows 5,20
